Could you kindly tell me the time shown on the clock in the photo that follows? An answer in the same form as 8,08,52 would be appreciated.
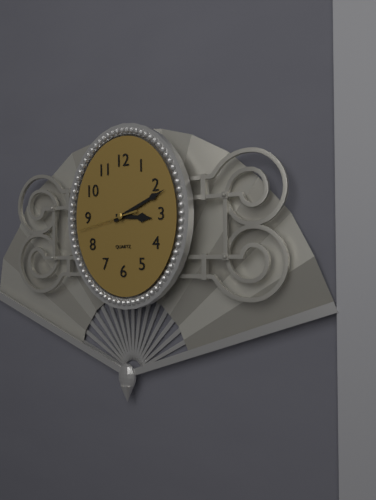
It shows 3,11,43
